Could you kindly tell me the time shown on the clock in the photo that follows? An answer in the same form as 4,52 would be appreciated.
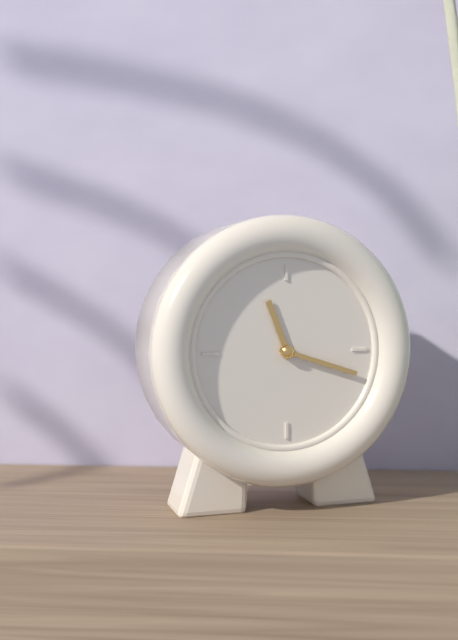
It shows 11,18
